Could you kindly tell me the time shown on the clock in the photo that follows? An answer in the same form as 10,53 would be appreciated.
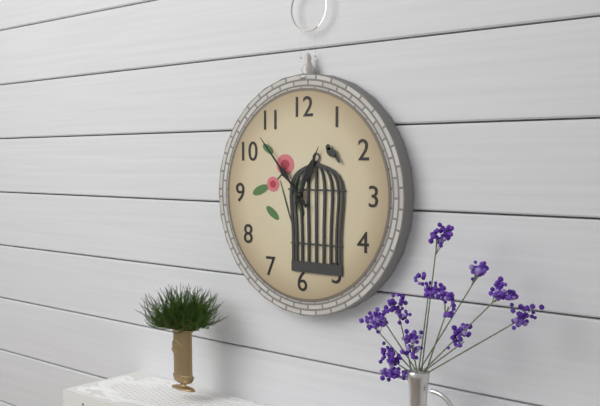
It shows 12,53
